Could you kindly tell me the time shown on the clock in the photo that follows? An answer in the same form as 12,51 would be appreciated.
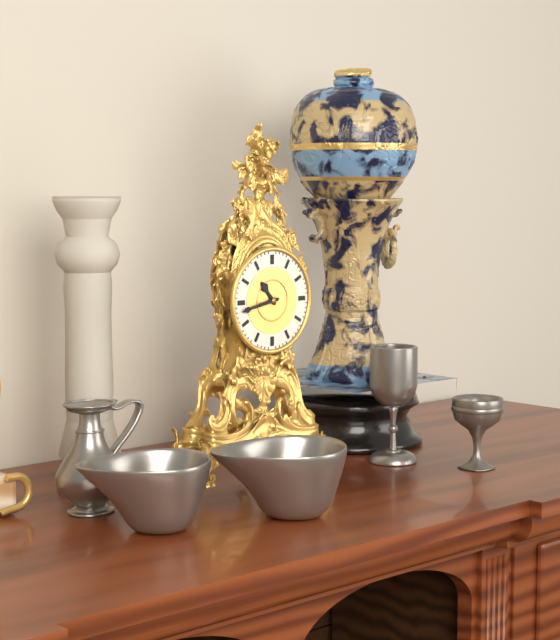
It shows 10,43
